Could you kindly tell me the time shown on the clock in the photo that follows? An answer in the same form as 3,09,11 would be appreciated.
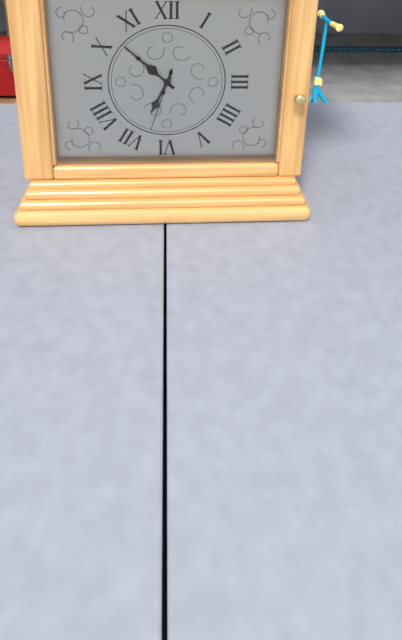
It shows 6,52,33
